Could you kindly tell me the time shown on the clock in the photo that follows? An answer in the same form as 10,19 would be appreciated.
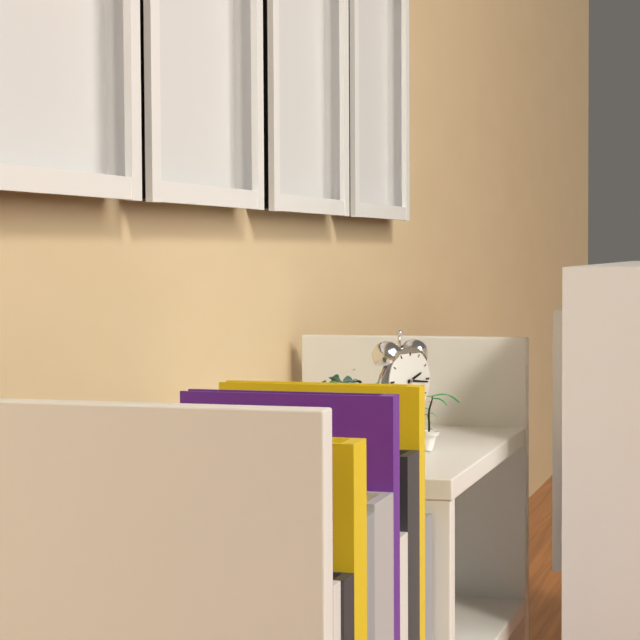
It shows 2,16
